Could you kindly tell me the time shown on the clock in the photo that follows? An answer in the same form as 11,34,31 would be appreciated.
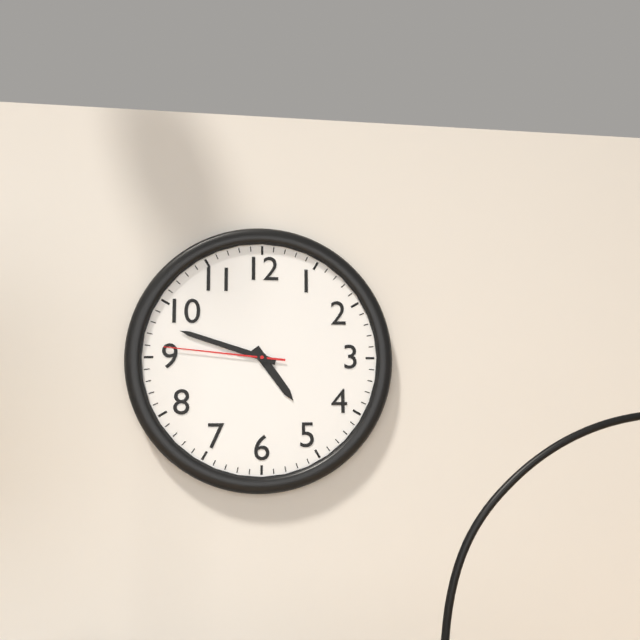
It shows 4,48,46
